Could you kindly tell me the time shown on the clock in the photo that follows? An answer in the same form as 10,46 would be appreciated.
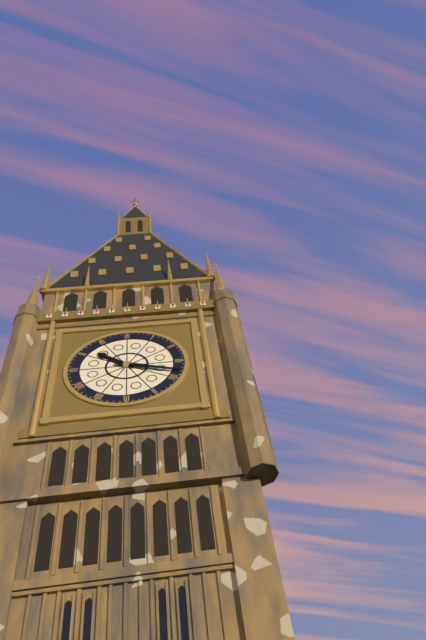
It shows 10,18
